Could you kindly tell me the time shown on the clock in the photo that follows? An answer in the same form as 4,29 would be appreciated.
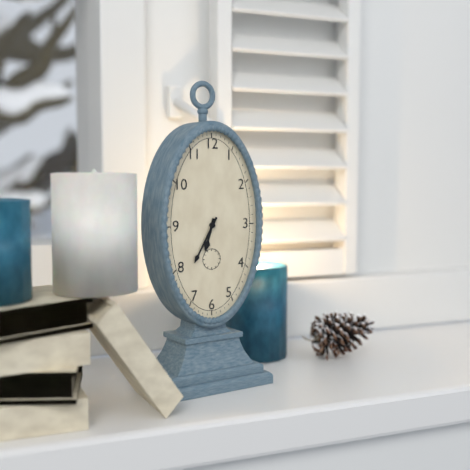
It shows 6,35
